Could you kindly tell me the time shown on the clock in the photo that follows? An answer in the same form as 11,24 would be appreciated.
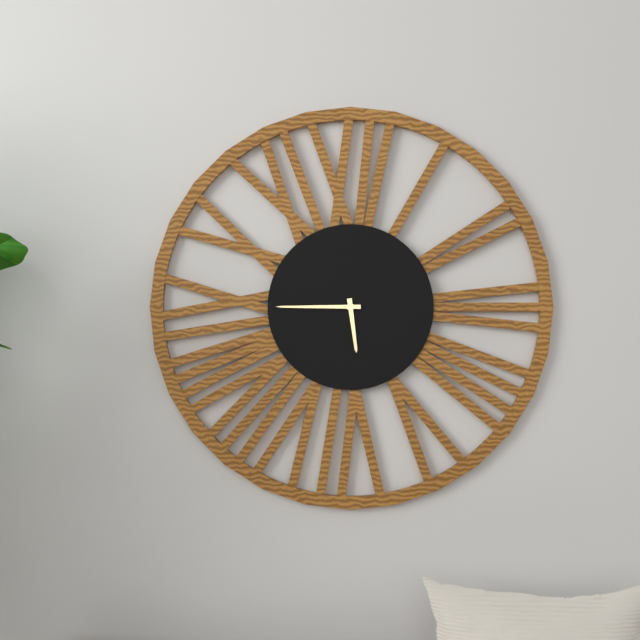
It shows 5,45
